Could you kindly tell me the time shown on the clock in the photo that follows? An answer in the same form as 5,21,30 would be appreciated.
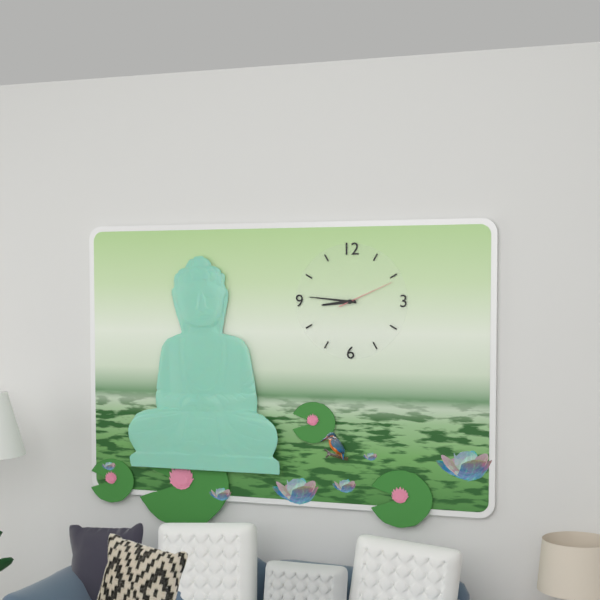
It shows 8,46,11
